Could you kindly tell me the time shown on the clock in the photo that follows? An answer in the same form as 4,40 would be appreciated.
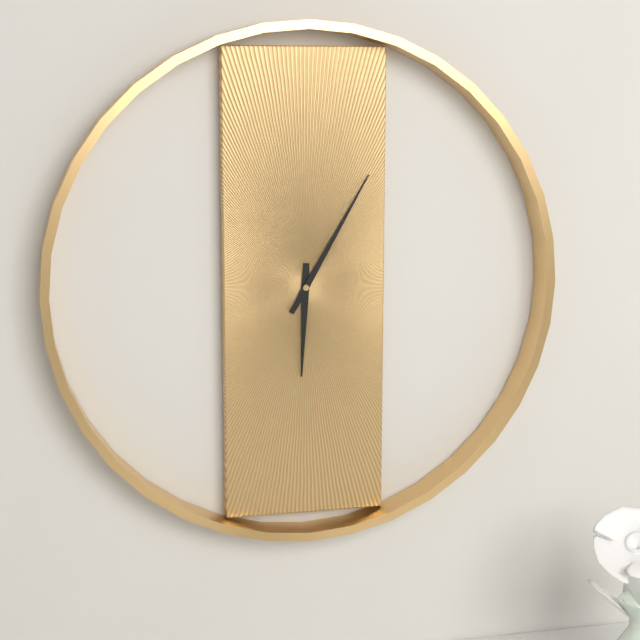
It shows 6,05
